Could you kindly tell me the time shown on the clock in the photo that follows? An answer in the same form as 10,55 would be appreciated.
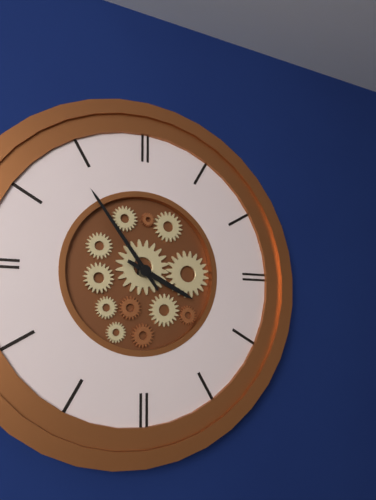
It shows 3,54
